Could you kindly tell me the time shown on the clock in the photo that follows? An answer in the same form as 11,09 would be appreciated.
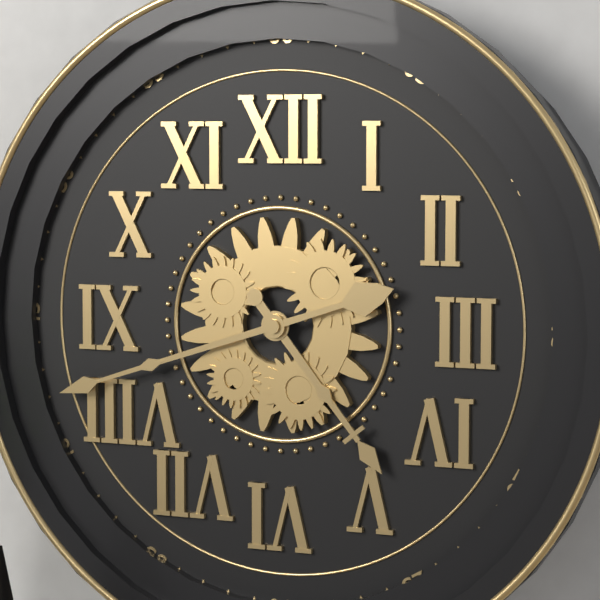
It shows 4,42
